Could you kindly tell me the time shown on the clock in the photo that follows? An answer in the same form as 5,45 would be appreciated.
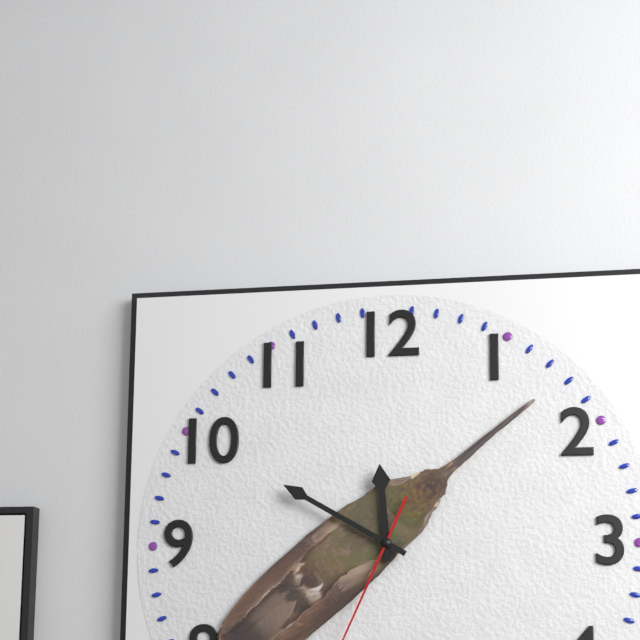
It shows 11,50
